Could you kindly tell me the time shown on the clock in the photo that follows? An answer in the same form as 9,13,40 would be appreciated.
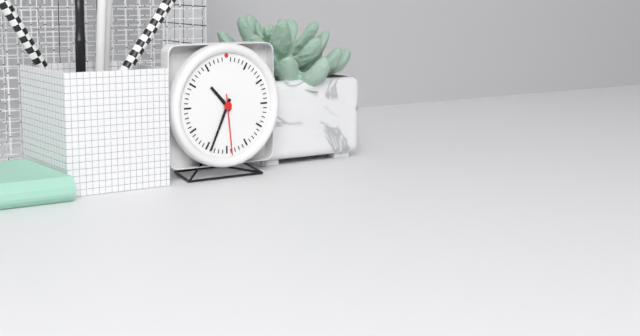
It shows 10,34,29
